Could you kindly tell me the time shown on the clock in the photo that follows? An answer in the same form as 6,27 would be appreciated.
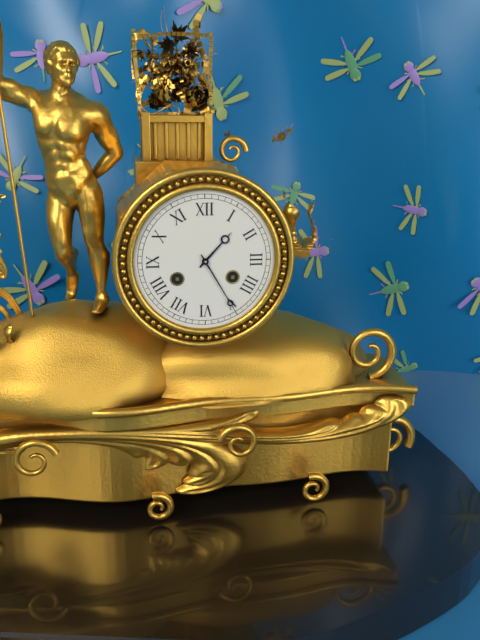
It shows 1,25
